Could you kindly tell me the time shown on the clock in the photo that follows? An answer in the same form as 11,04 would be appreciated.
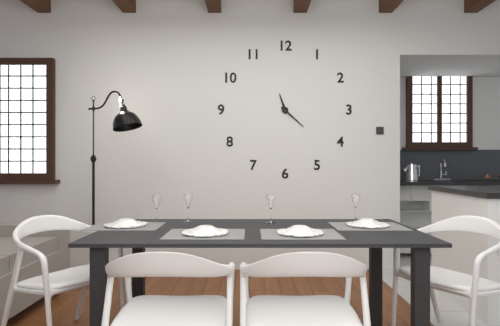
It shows 11,22
